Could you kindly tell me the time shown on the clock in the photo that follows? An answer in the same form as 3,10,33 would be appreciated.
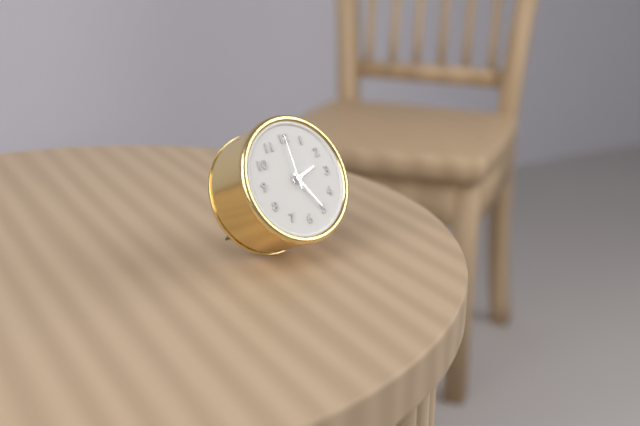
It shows 2,25,00
